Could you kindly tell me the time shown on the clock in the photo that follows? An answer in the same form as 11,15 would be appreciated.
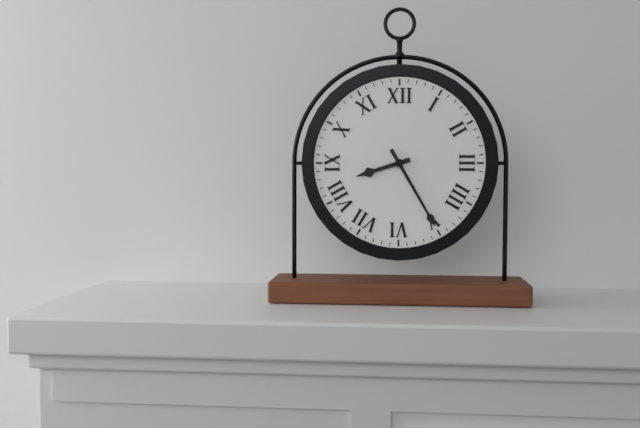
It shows 8,25
